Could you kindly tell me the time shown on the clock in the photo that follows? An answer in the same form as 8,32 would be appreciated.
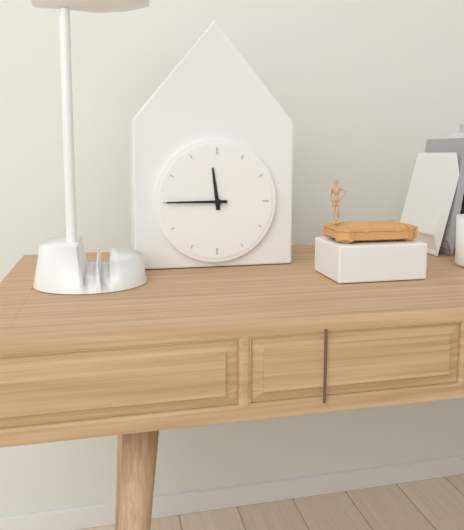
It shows 11,45
